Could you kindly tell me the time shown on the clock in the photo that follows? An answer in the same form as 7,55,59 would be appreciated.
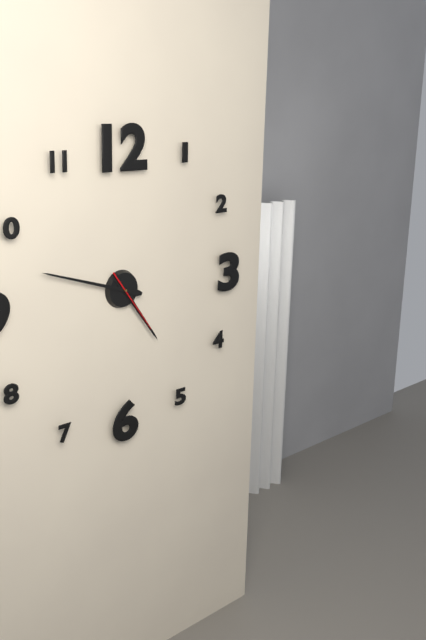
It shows 4,48,24
